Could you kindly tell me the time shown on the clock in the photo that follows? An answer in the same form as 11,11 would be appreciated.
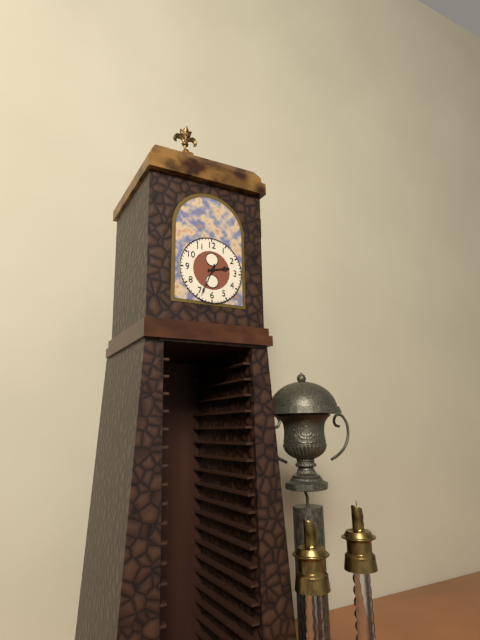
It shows 2,34
